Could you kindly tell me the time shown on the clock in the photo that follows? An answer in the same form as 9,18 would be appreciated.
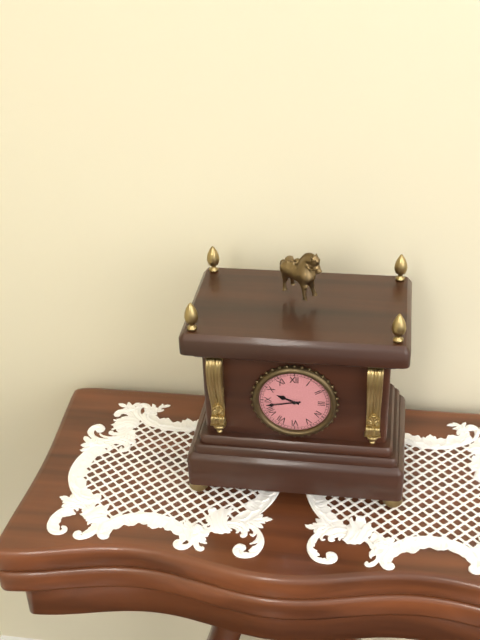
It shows 9,43
